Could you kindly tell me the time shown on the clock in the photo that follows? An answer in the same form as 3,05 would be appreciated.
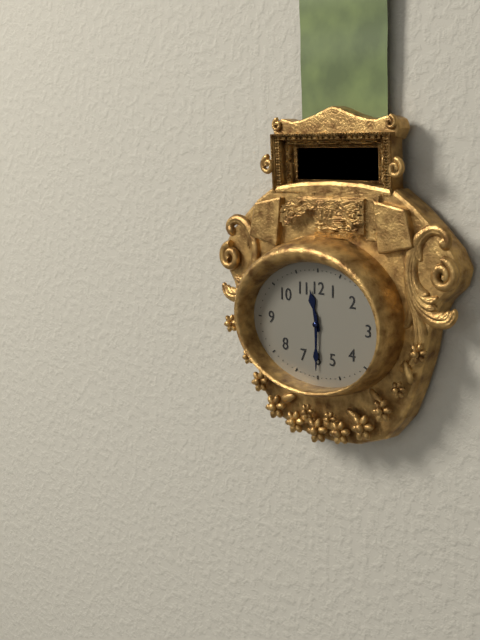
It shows 11,30
